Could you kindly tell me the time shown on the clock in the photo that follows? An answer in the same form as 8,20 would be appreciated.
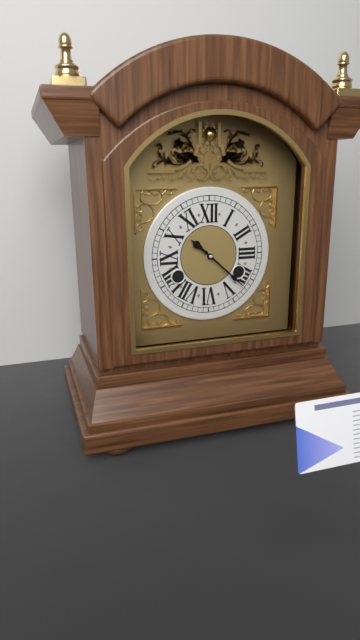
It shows 10,22
